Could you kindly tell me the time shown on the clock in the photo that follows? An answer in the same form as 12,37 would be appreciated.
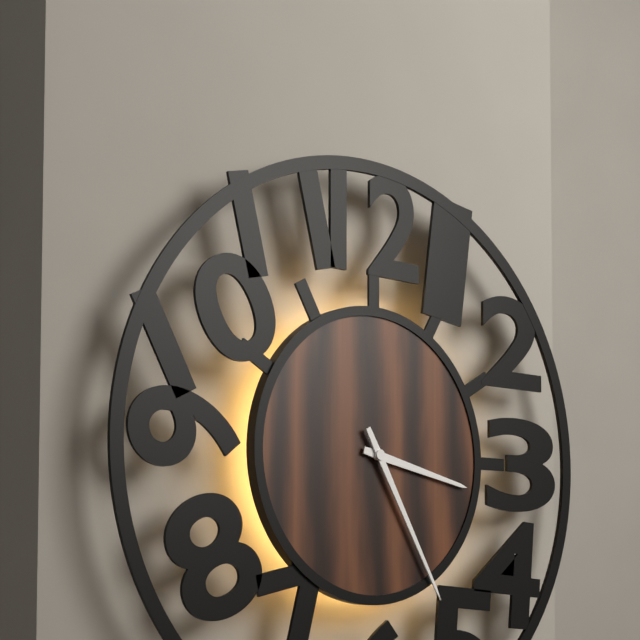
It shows 3,25
